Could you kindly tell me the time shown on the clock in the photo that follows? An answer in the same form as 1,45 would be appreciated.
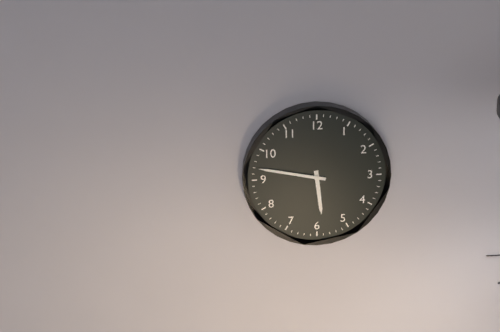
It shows 5,47
